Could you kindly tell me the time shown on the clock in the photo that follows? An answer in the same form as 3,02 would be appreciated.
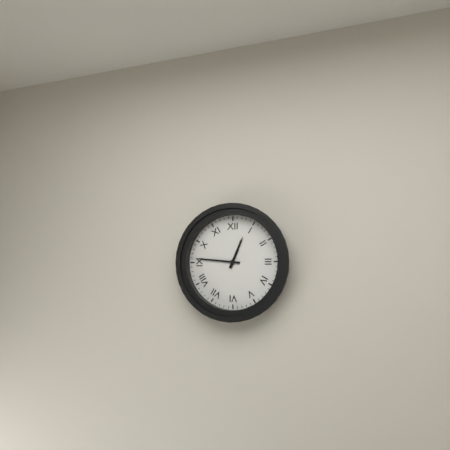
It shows 12,46
